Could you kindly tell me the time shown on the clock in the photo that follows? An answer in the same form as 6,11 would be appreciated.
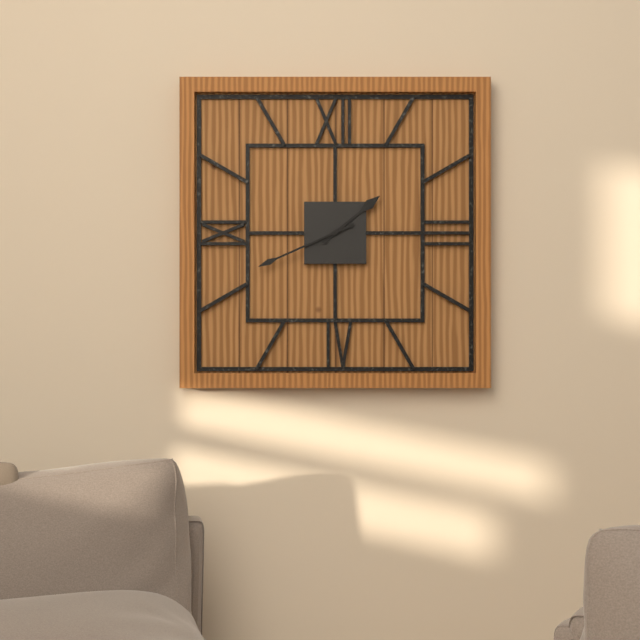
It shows 1,41
